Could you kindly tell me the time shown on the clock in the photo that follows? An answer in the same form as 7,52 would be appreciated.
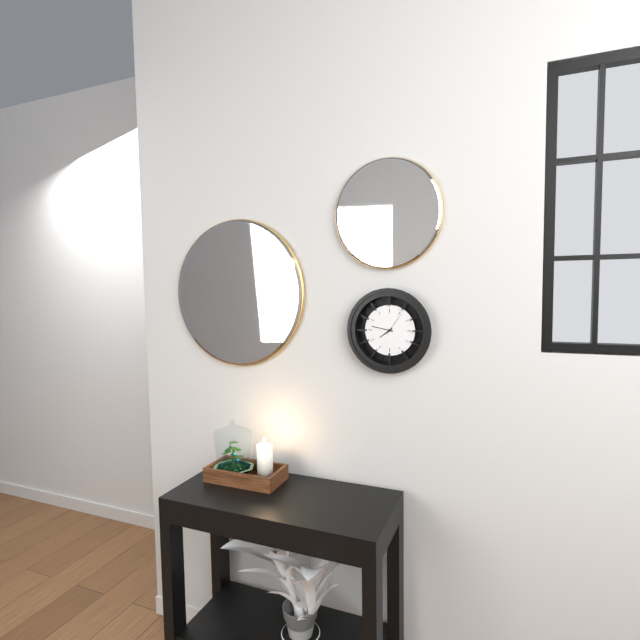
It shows 7,47
